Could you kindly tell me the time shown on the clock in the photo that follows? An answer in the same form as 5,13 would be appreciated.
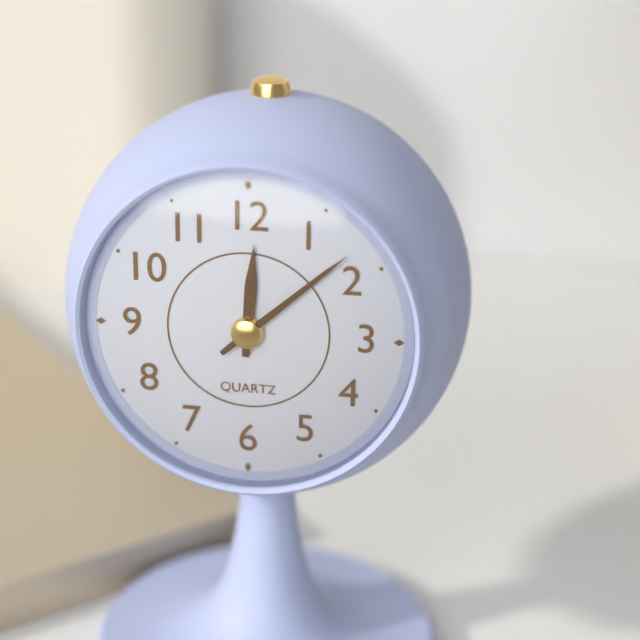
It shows 12,08
